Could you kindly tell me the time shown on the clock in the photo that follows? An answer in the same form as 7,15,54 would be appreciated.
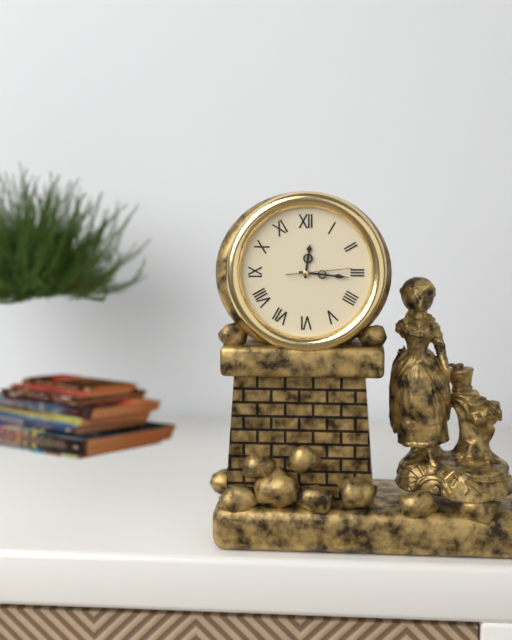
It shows 12,16,14
